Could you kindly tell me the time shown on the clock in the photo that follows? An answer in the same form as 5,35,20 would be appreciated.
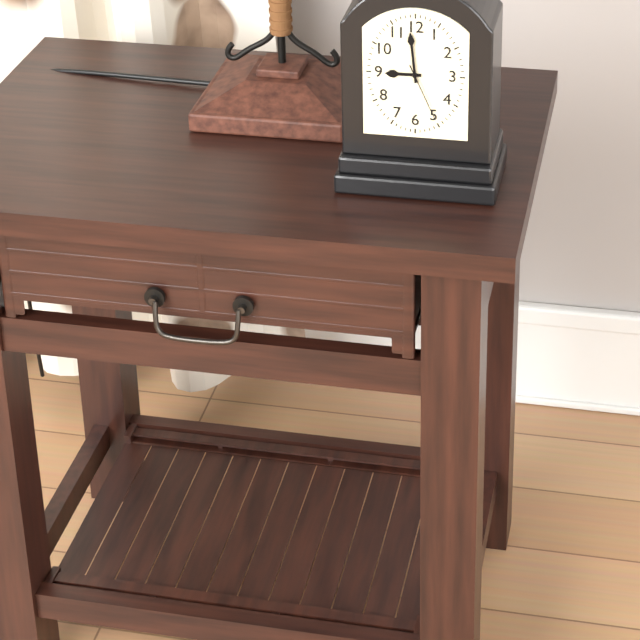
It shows 8,59,26
